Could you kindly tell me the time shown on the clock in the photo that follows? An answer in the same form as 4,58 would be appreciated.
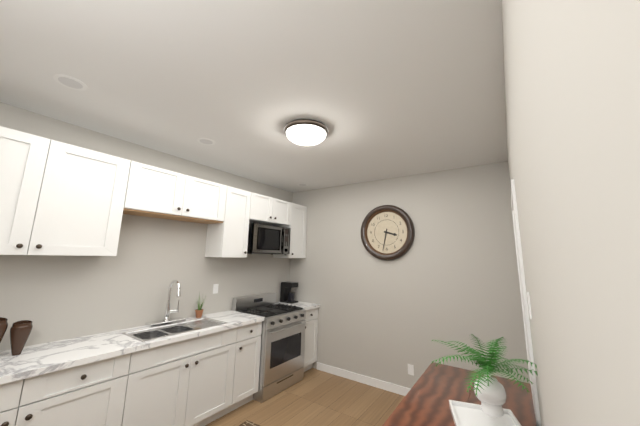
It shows 3,32
